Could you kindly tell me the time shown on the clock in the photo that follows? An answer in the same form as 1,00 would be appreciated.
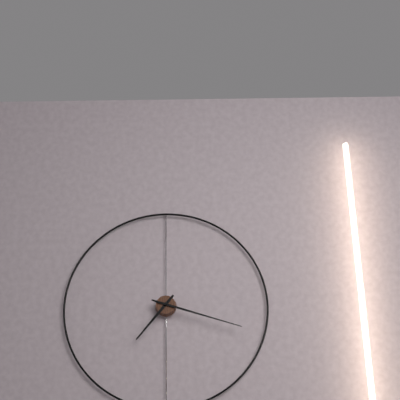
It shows 7,18
